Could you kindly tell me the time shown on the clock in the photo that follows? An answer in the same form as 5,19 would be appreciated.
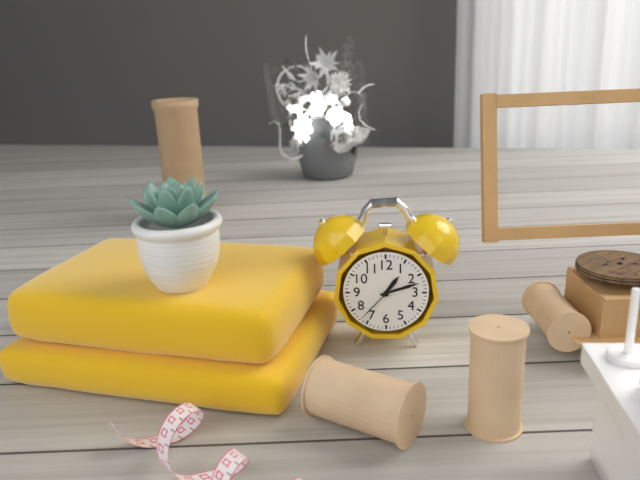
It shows 1,12
